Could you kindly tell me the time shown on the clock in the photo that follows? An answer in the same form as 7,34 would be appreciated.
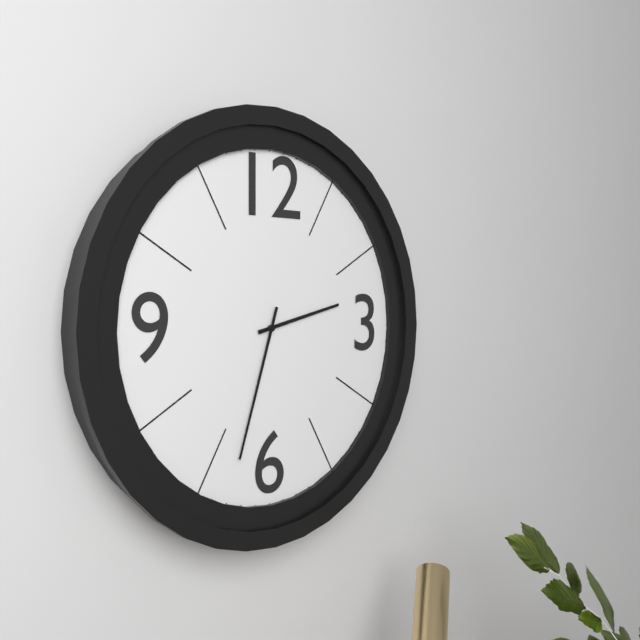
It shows 2,33
